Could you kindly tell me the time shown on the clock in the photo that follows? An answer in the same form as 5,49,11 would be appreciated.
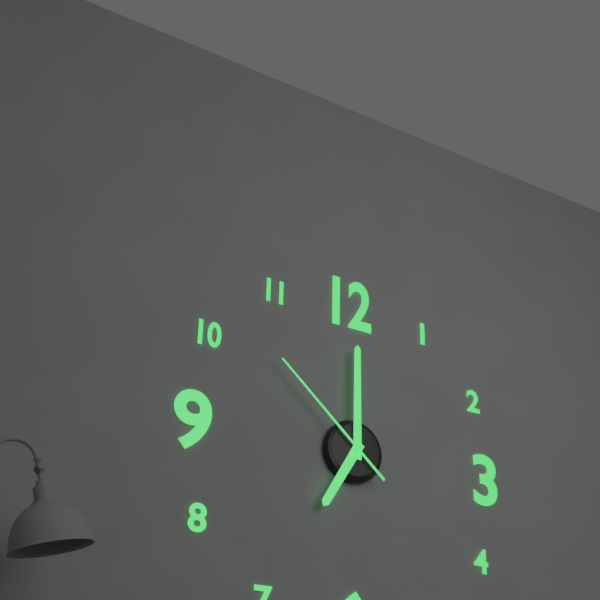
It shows 7,00,52
